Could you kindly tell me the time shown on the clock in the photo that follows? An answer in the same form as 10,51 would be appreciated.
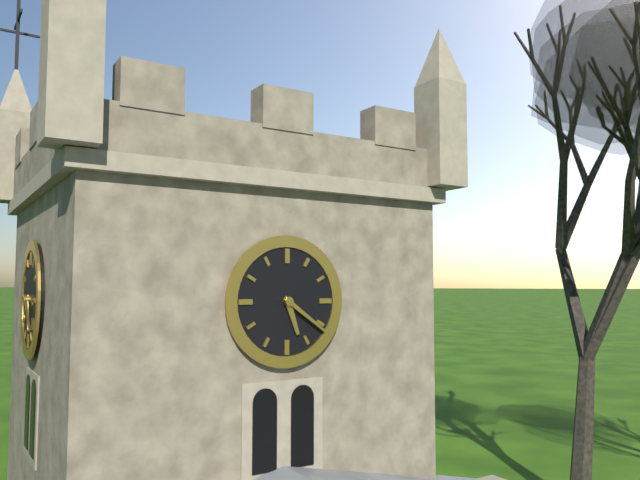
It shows 5,21
